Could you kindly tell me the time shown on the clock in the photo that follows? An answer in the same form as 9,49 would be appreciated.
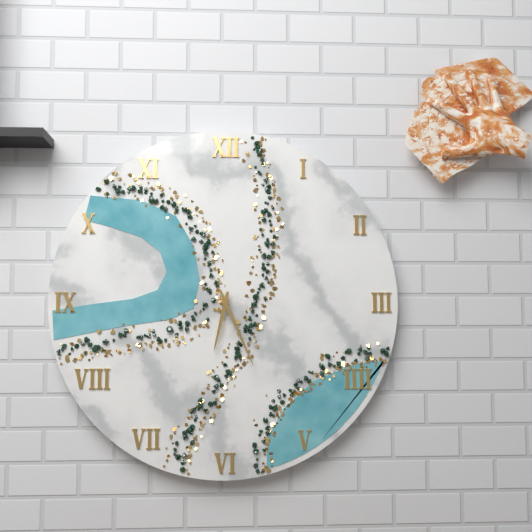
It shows 6,26
